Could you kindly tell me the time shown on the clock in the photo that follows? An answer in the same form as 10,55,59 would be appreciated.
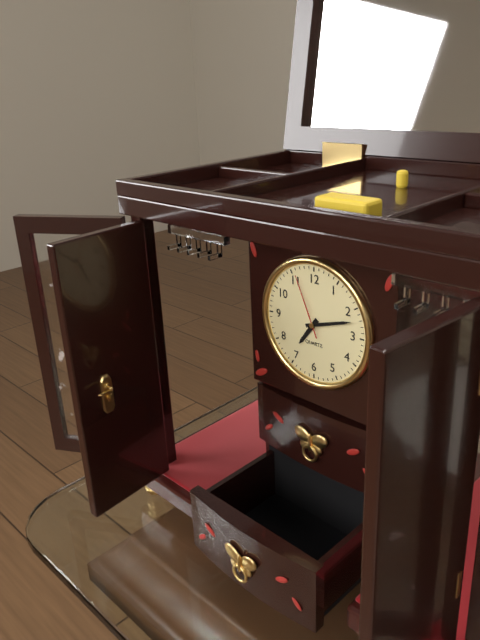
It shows 7,12,56
